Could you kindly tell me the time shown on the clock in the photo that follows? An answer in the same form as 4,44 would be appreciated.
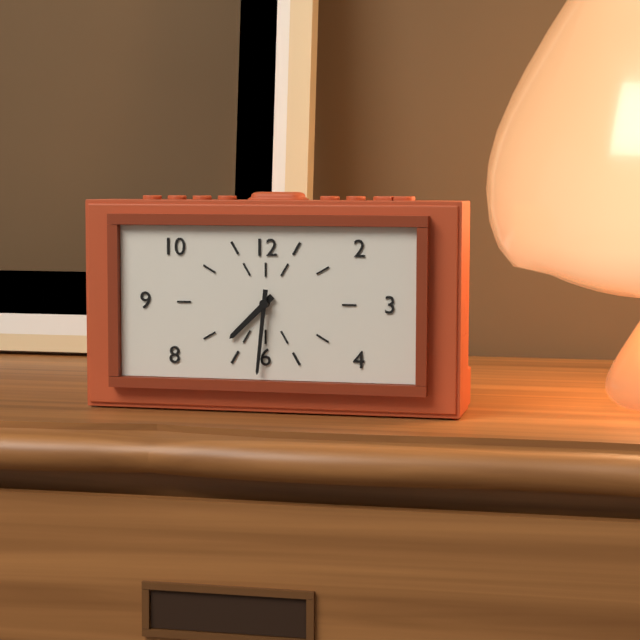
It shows 7,31
